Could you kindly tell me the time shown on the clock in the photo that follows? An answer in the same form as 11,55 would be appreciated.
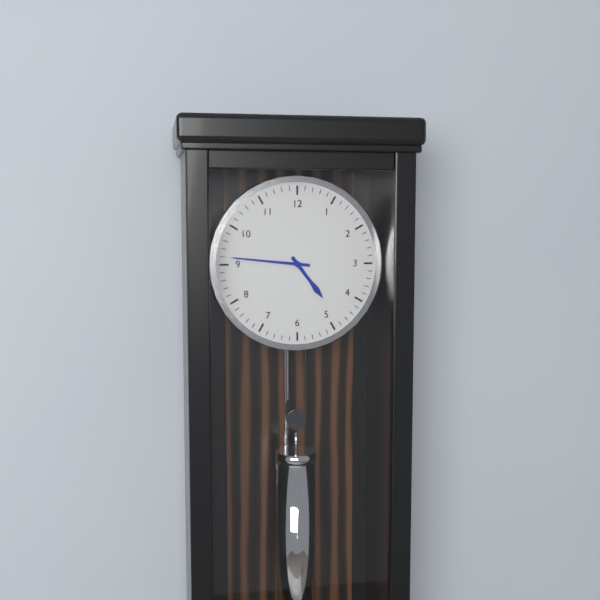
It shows 4,46
